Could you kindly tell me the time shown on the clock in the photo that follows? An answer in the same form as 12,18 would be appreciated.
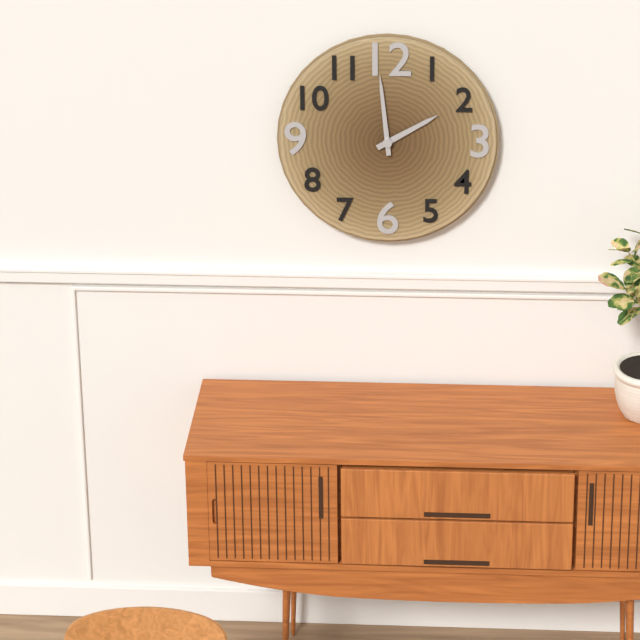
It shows 1,59
